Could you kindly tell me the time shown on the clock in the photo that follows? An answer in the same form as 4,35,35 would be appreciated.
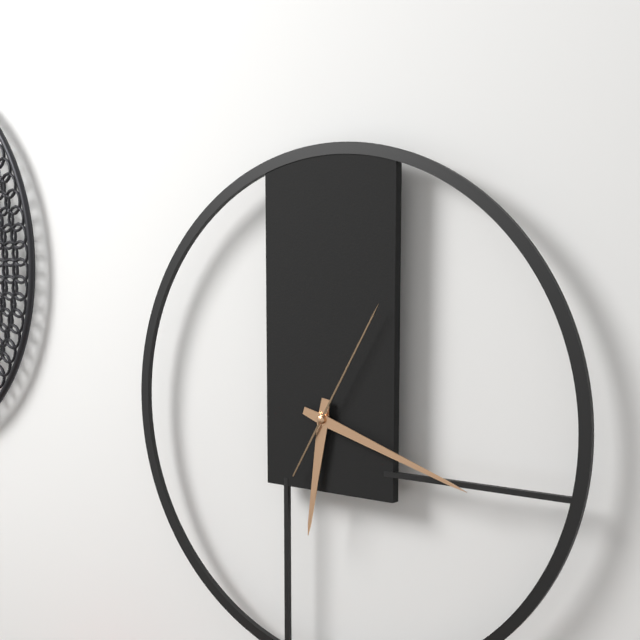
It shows 6,18,05
